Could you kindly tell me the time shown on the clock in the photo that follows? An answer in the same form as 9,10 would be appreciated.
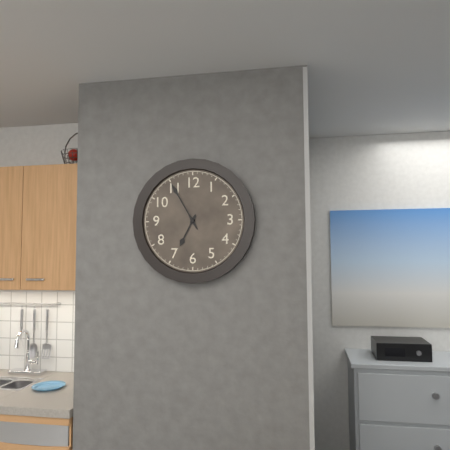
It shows 6,55
